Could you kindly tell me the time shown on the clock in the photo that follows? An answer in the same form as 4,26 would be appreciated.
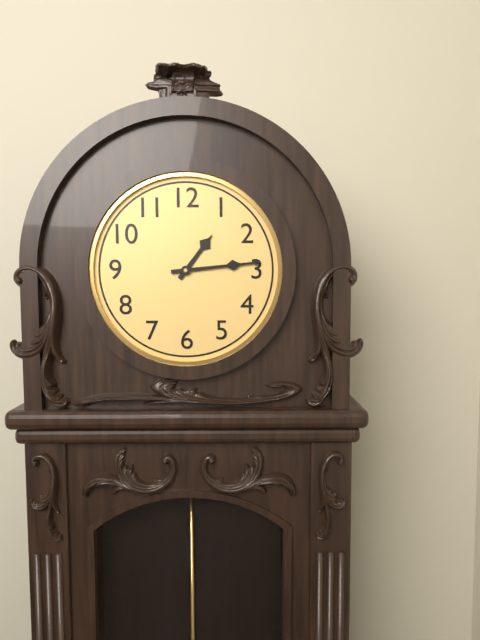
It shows 1,14
